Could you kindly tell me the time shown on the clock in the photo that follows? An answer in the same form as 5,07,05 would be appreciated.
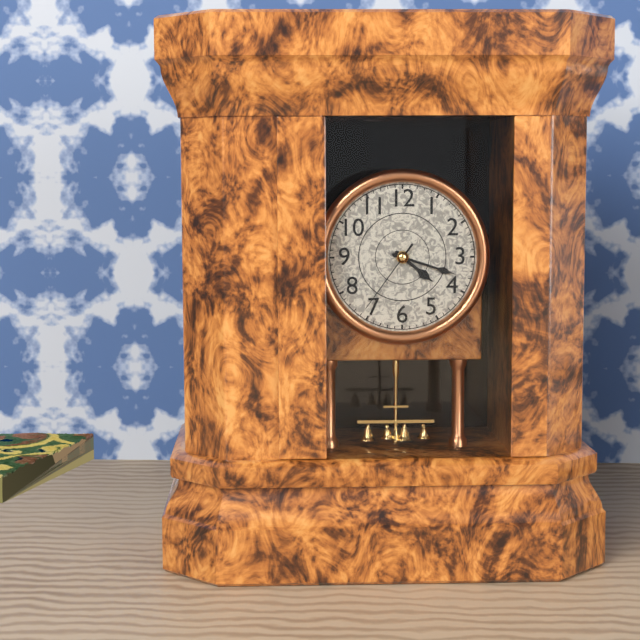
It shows 4,18,36
